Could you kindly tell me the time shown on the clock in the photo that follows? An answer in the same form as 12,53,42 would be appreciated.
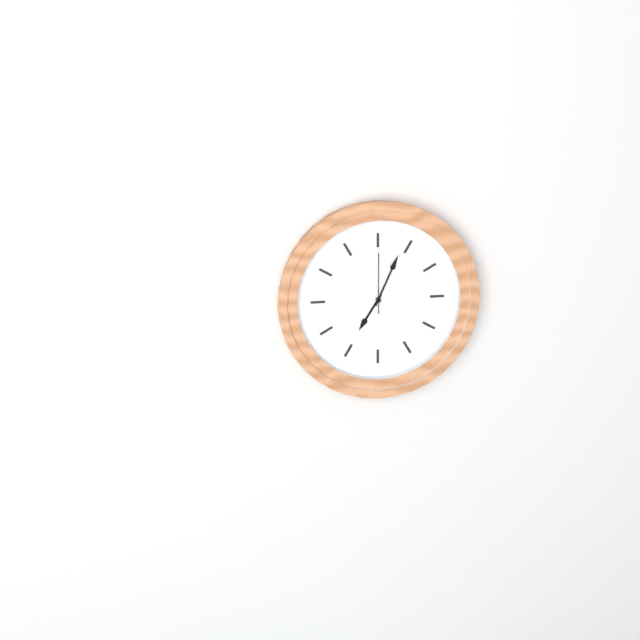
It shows 7,04,00
